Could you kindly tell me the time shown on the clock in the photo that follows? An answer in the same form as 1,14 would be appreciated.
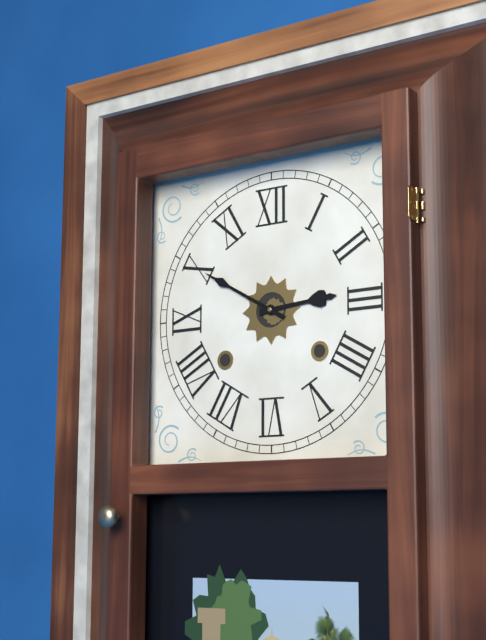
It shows 2,50
